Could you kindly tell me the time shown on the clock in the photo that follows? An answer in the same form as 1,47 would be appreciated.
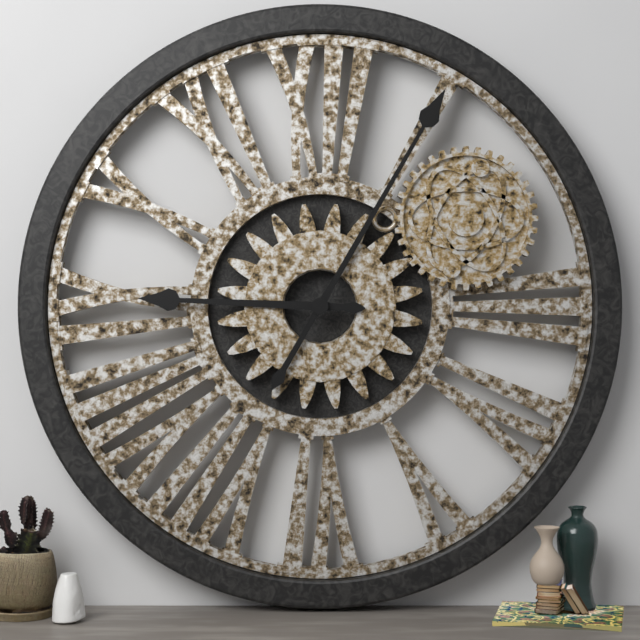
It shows 9,05
